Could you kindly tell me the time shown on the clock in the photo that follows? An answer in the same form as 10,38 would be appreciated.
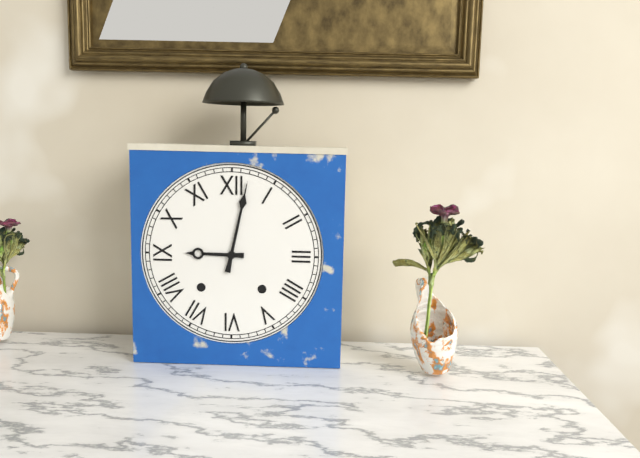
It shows 9,02
